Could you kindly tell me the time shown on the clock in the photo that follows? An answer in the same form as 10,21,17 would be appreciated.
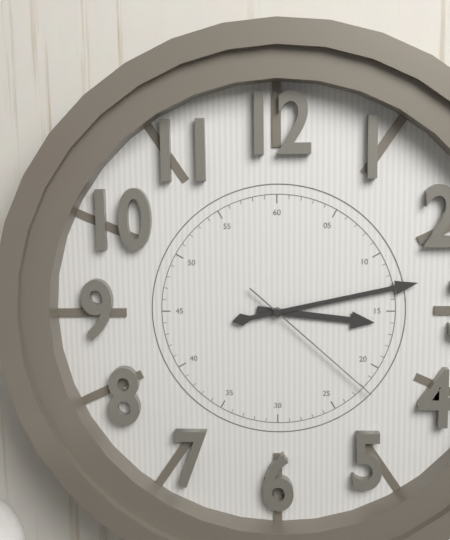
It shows 3,13,22
